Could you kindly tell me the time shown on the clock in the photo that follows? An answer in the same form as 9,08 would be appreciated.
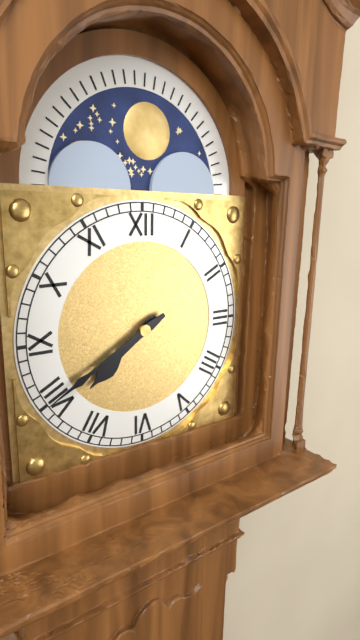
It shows 7,40
